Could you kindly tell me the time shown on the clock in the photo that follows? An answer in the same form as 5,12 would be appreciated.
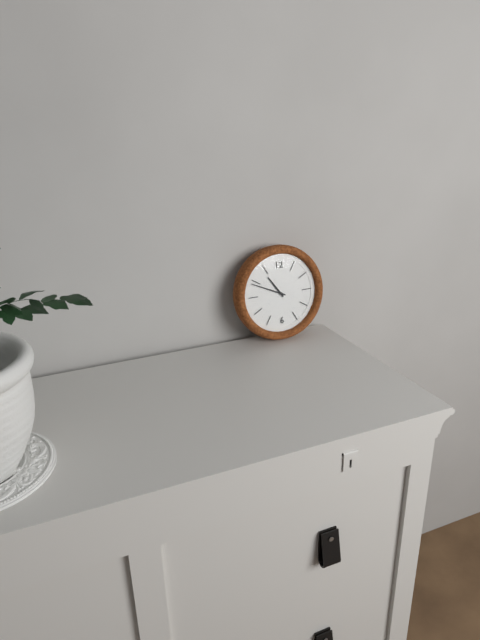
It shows 10,49
